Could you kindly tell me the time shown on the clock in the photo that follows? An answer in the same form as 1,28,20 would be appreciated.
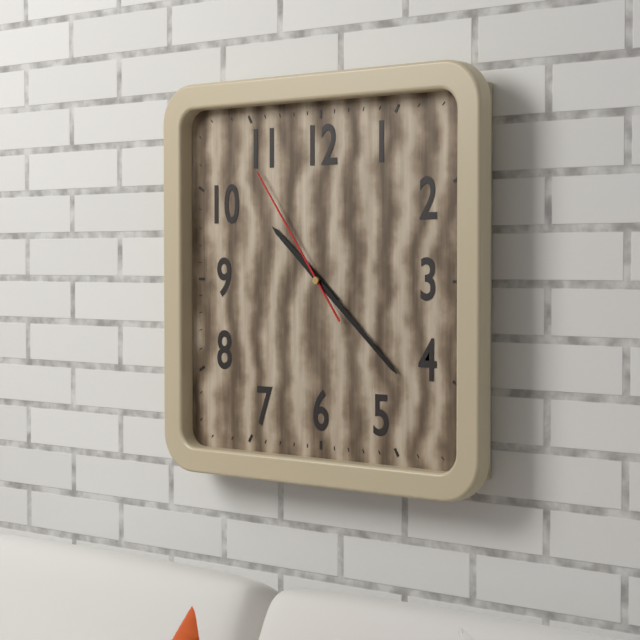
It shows 10,22,54
